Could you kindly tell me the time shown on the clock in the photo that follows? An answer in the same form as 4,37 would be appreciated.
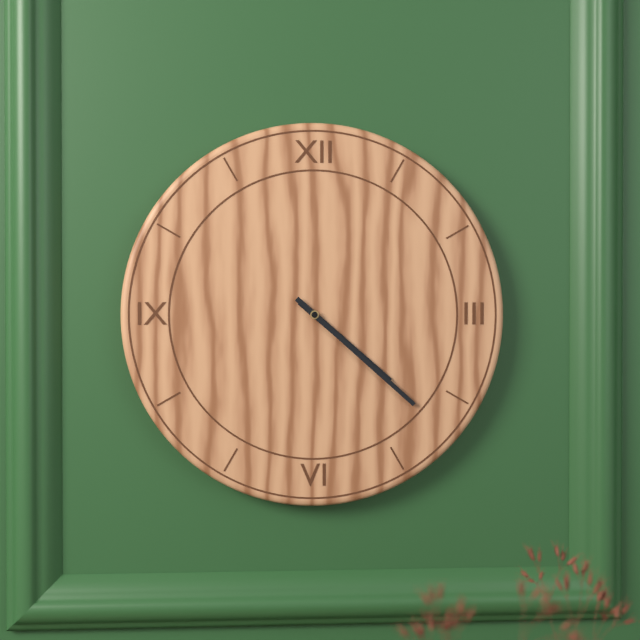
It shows 4,22
